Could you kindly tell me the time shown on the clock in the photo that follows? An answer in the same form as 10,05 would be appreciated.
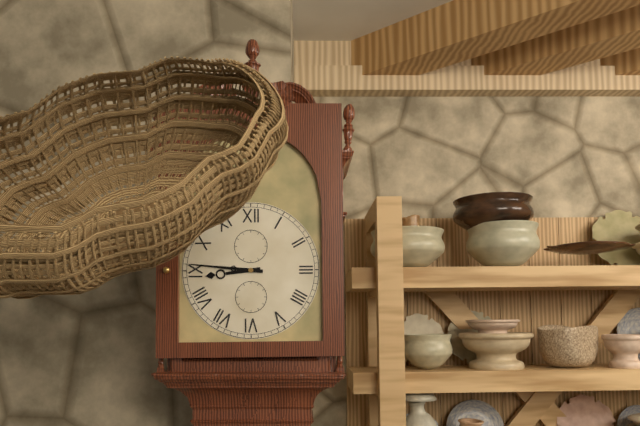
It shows 8,46
